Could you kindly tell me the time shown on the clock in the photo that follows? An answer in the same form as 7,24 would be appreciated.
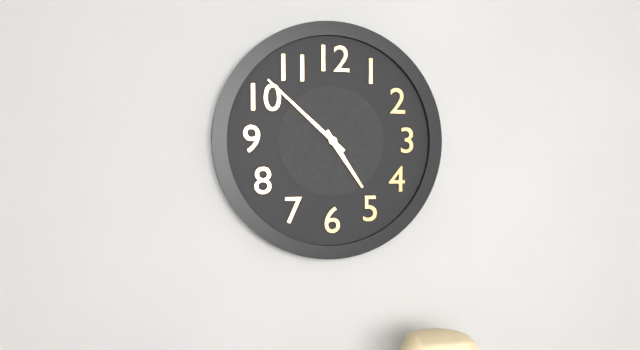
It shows 4,52
